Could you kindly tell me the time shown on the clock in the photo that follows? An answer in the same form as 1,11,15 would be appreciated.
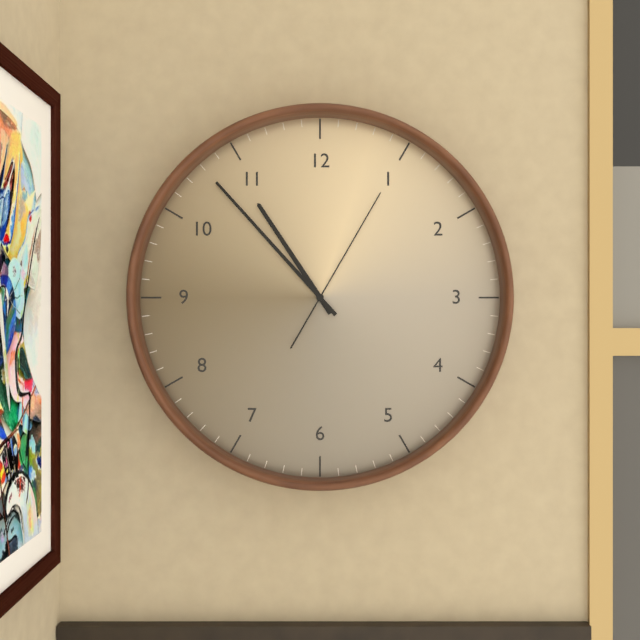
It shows 10,53,05
